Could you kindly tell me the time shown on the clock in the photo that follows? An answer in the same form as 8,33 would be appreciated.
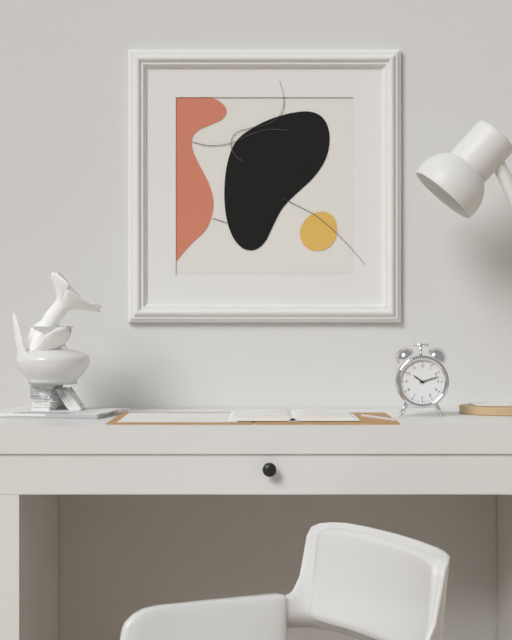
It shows 10,12
